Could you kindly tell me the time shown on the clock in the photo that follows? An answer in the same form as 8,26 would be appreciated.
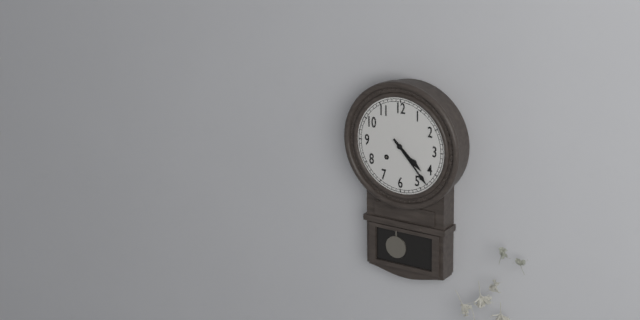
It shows 4,23
